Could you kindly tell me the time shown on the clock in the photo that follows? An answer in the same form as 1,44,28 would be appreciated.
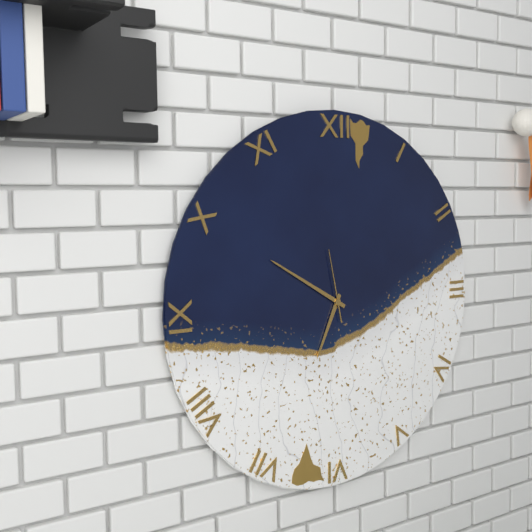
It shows 6,50,58
